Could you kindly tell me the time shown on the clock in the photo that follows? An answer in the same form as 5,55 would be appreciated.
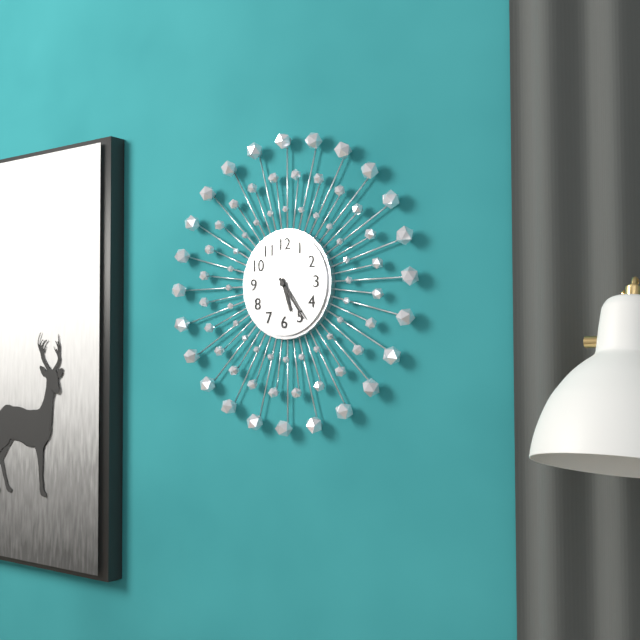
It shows 5,24
